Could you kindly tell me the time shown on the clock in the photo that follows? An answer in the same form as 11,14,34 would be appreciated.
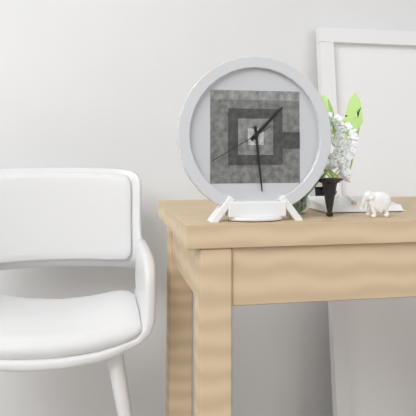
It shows 1,29,40
